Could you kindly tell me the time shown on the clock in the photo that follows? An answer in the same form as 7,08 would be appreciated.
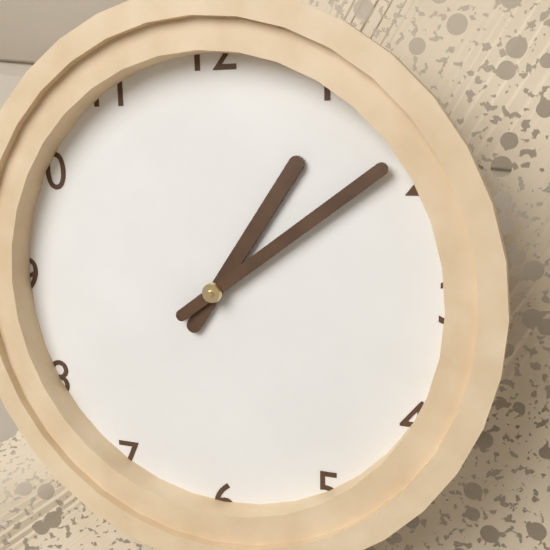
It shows 1,09
